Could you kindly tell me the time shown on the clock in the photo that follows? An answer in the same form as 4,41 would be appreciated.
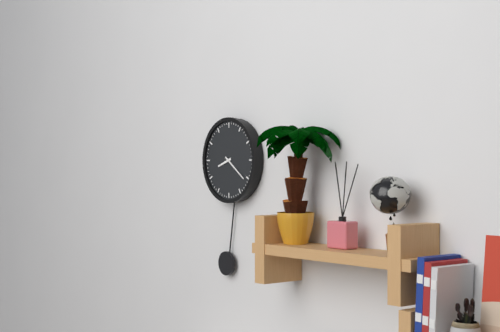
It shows 8,21
